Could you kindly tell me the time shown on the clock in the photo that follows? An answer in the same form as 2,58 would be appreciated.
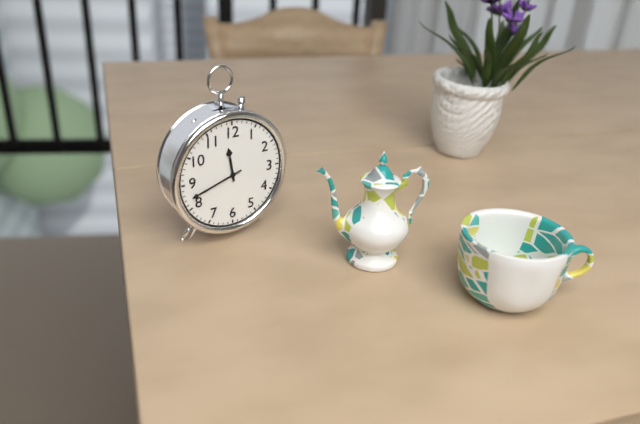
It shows 11,42
